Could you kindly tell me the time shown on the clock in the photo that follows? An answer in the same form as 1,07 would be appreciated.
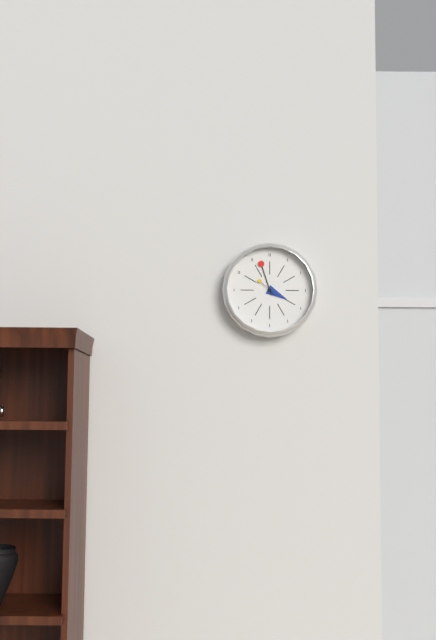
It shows 3,57
